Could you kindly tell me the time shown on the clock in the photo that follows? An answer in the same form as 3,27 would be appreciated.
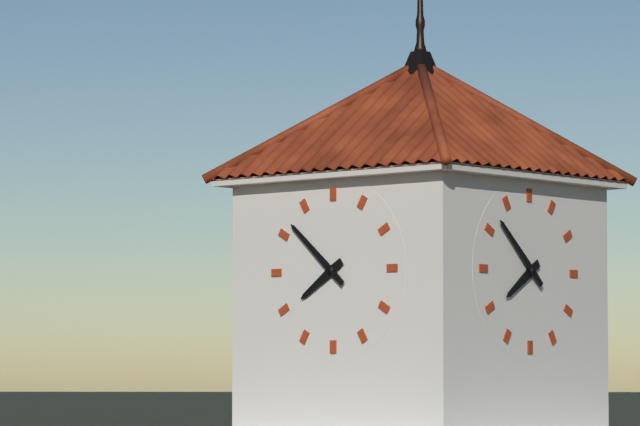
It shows 7,52
